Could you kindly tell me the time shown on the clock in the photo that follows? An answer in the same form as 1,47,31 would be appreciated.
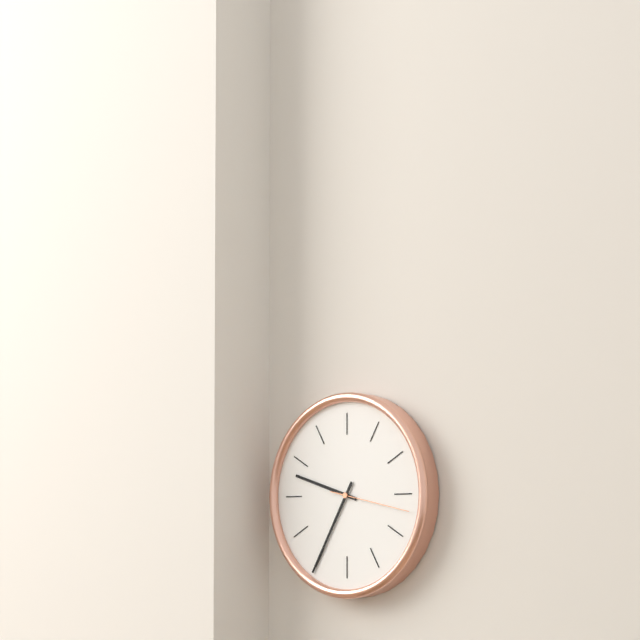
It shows 9,35,17
